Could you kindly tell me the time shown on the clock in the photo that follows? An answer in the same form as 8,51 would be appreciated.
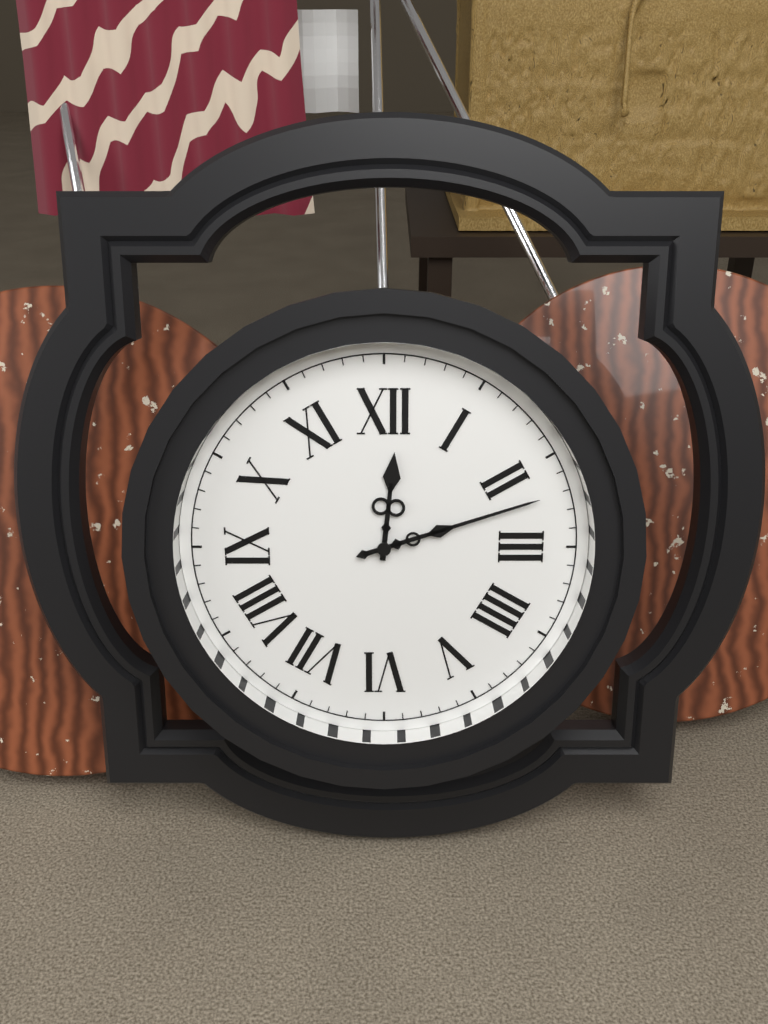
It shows 12,12
